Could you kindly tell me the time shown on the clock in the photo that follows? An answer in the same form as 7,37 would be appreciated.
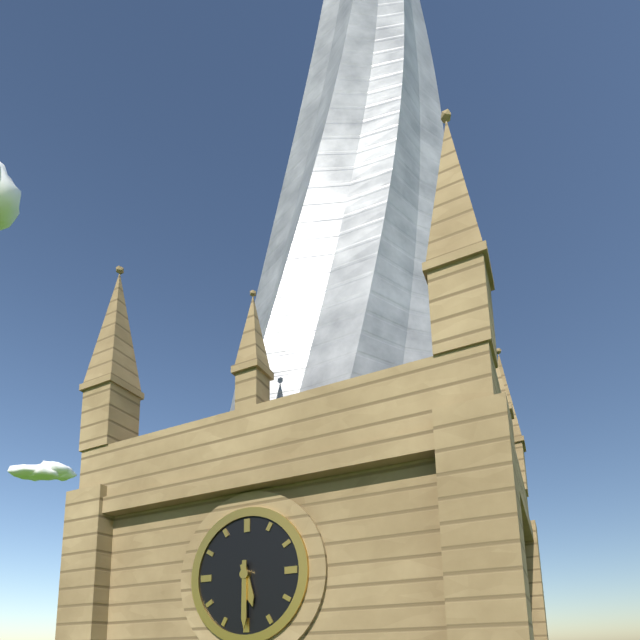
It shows 5,30
